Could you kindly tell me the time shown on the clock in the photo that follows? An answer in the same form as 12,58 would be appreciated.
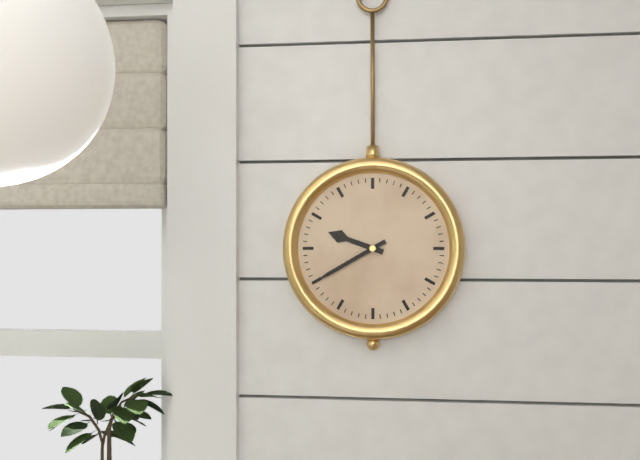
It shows 9,40
